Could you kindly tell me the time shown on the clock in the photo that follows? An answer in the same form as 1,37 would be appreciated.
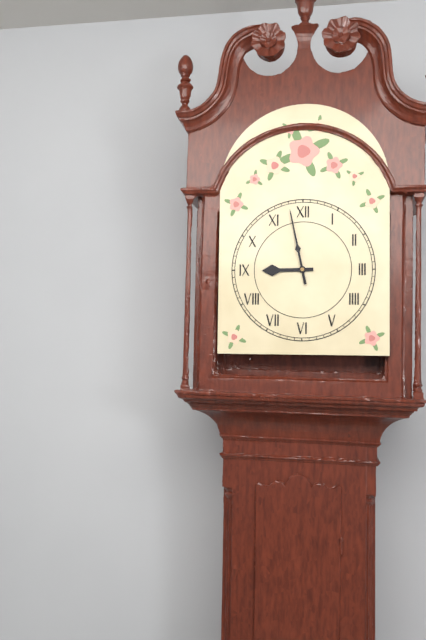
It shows 8,58
